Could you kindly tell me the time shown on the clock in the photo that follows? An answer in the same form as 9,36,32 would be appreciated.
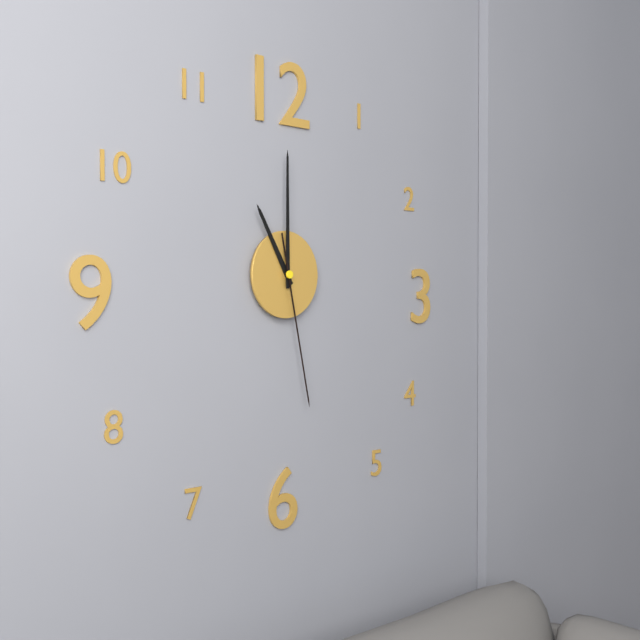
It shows 11,00,28
